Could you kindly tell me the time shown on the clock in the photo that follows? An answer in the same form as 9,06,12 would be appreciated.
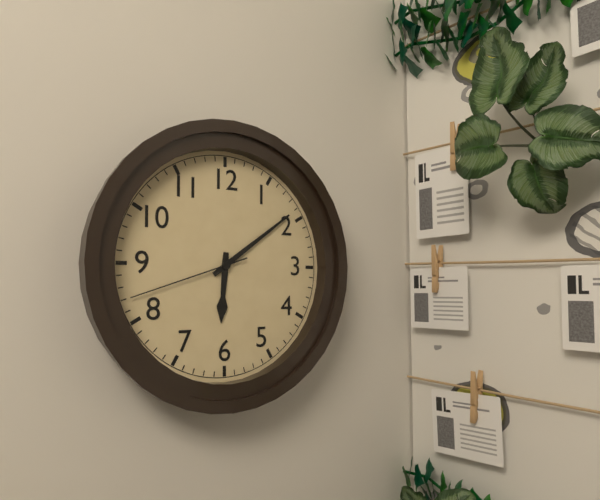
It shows 6,09,42
